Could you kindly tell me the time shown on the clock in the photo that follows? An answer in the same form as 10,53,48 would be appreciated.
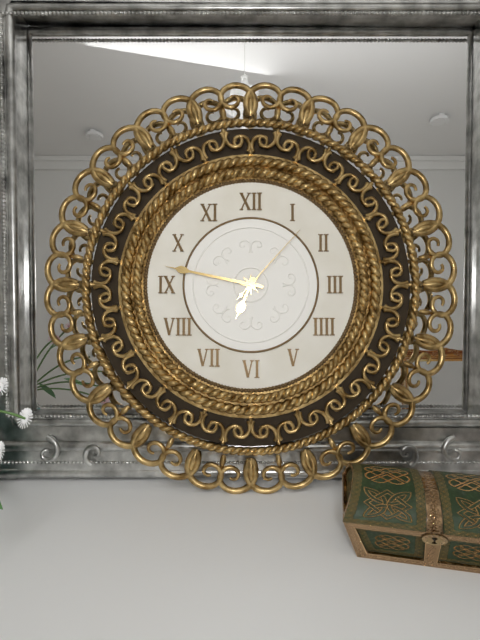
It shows 6,47,07
